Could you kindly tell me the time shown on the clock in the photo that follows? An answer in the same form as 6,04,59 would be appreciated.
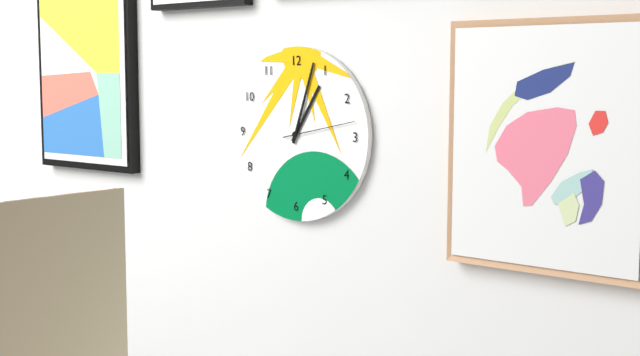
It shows 1,03,13
